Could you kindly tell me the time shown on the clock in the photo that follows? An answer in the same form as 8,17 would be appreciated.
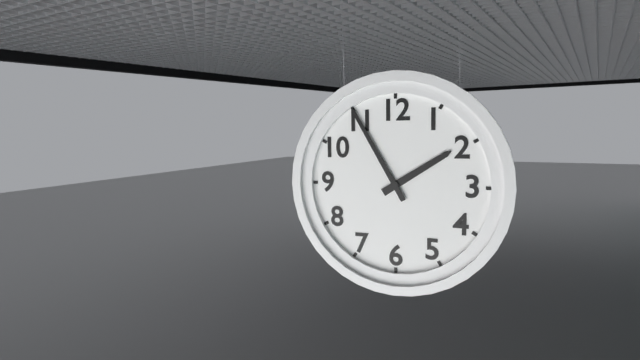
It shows 1,55
